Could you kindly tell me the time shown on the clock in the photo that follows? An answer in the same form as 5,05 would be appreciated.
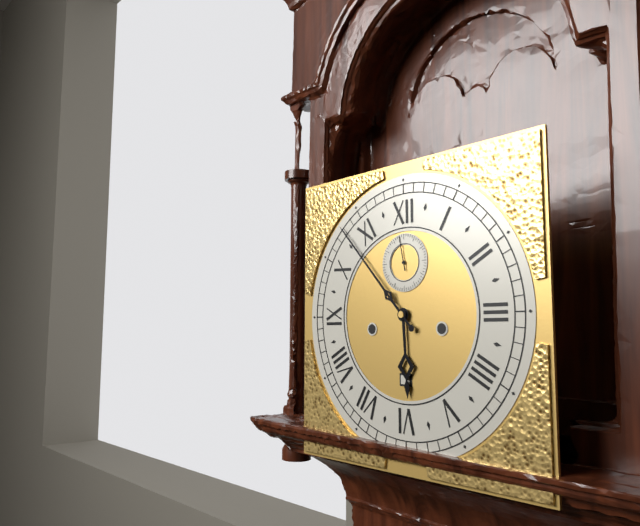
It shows 5,53
